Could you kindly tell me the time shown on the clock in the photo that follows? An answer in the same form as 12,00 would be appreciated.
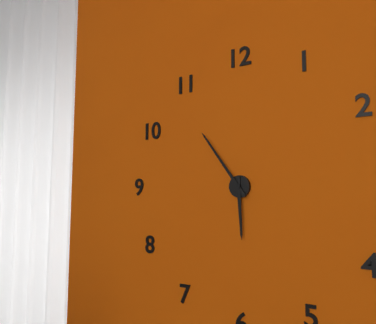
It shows 5,54
